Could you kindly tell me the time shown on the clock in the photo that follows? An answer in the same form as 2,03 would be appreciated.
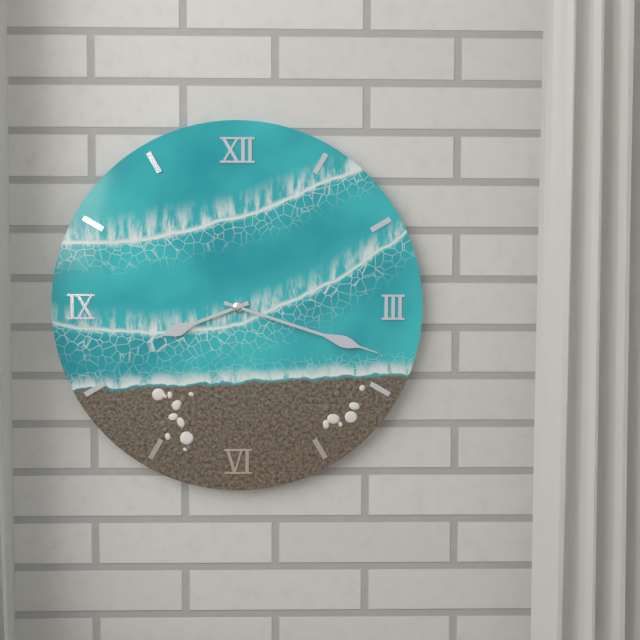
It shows 8,18
